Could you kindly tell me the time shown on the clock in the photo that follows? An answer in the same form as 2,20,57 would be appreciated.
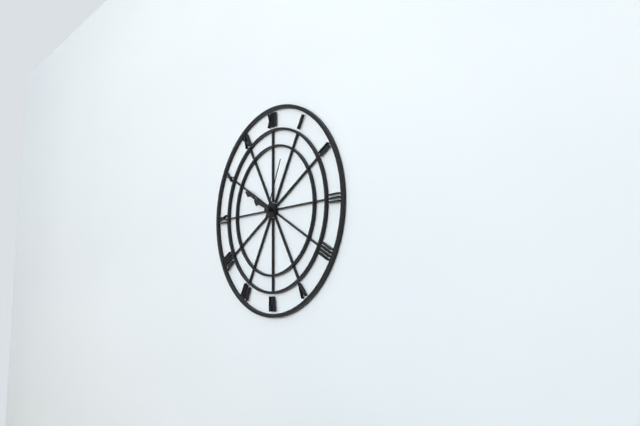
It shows 9,50,04
